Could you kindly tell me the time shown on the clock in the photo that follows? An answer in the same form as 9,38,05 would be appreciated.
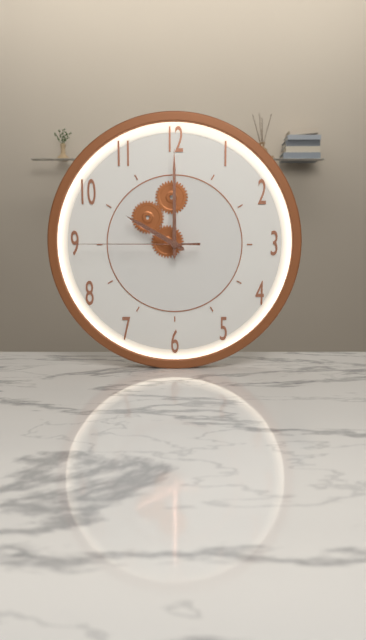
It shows 10,00,45
